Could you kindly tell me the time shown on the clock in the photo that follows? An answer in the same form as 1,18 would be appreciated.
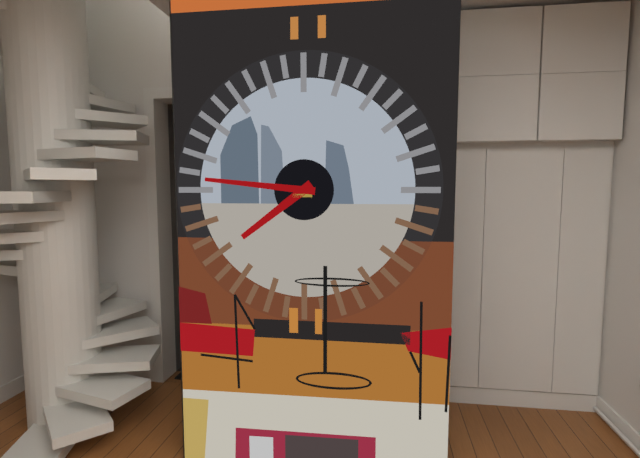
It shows 7,46
